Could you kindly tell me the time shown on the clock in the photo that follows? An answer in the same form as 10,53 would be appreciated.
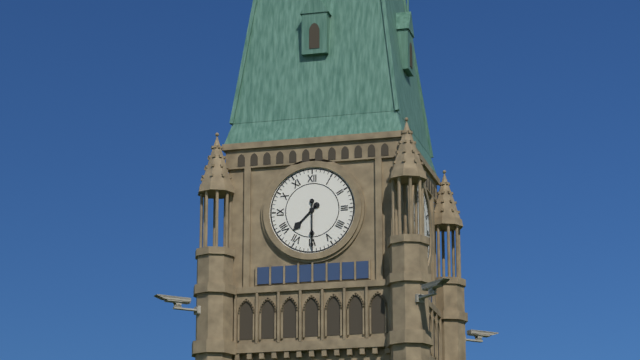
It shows 7,30
